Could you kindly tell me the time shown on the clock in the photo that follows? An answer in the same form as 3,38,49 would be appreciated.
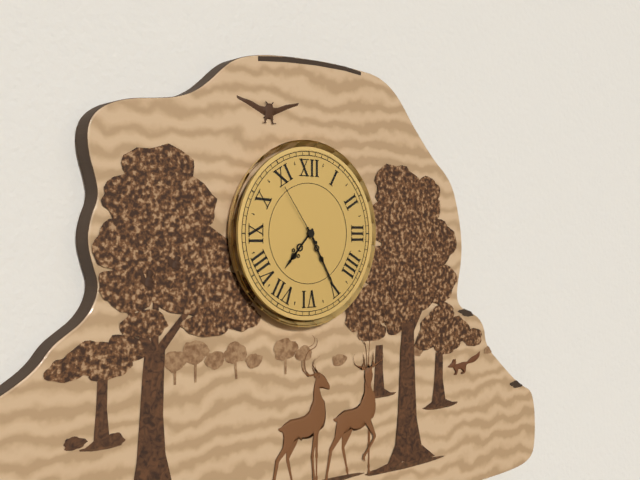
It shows 7,25,54
